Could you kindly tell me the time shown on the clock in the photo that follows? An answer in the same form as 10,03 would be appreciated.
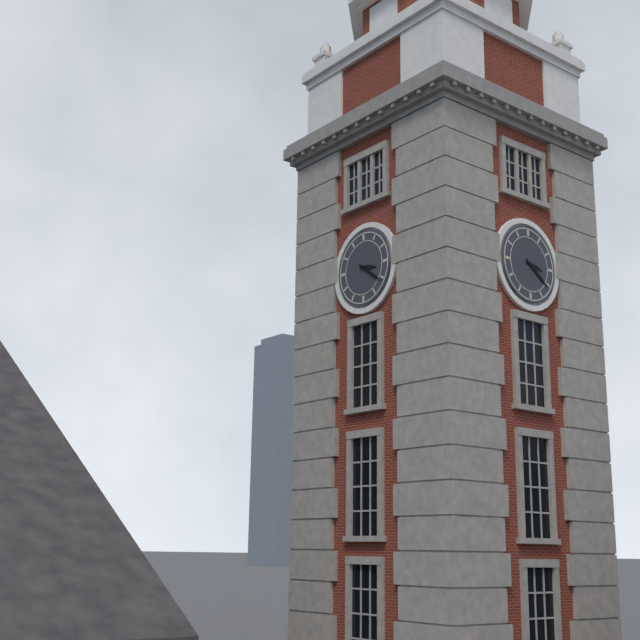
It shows 3,21
